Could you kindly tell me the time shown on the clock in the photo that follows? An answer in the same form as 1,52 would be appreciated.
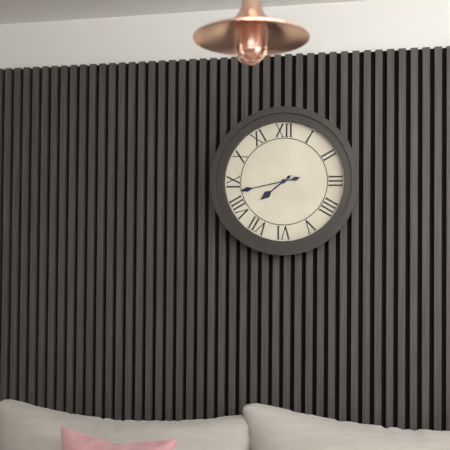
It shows 7,43
